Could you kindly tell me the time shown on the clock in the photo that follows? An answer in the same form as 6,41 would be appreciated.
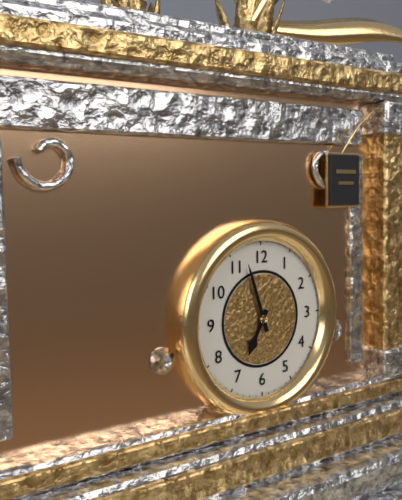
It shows 6,57
